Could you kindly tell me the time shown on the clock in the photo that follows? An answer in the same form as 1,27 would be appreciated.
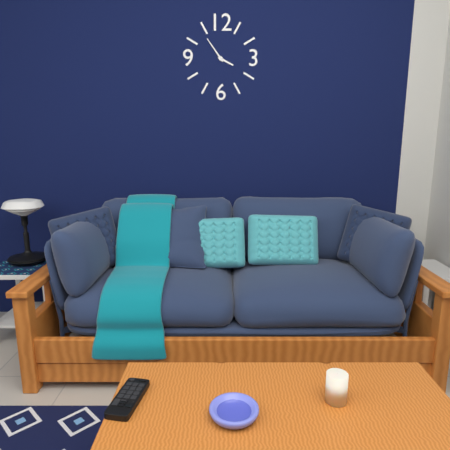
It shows 3,54
